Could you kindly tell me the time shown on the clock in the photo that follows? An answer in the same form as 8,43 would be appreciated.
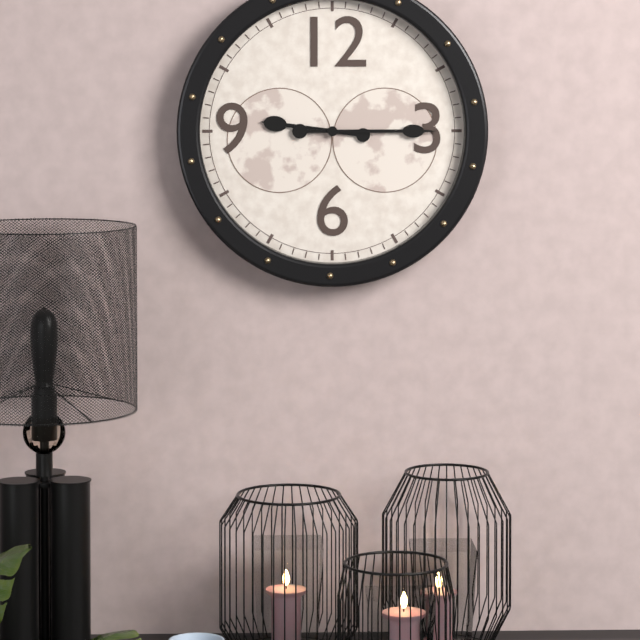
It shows 9,15
